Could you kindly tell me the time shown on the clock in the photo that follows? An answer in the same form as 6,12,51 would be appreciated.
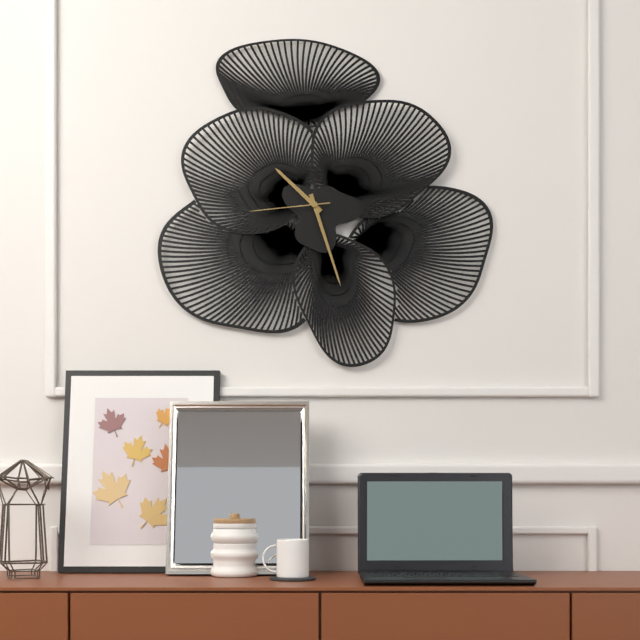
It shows 10,27,44
